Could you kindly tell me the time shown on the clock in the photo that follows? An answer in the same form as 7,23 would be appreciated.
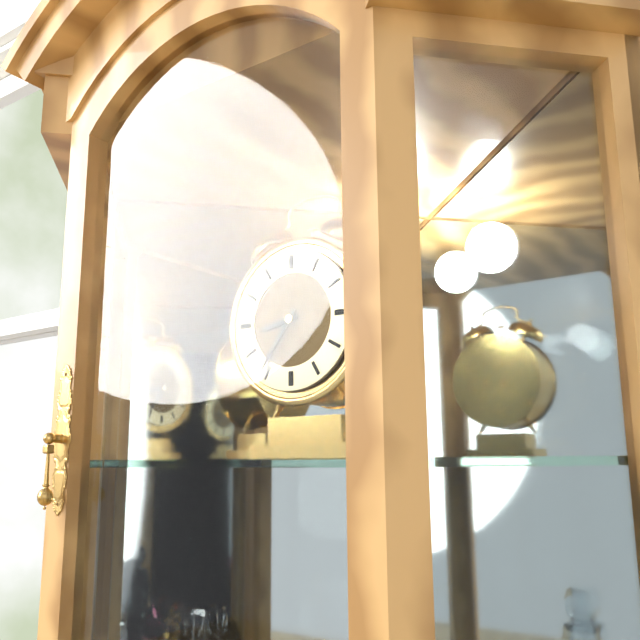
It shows 8,36
